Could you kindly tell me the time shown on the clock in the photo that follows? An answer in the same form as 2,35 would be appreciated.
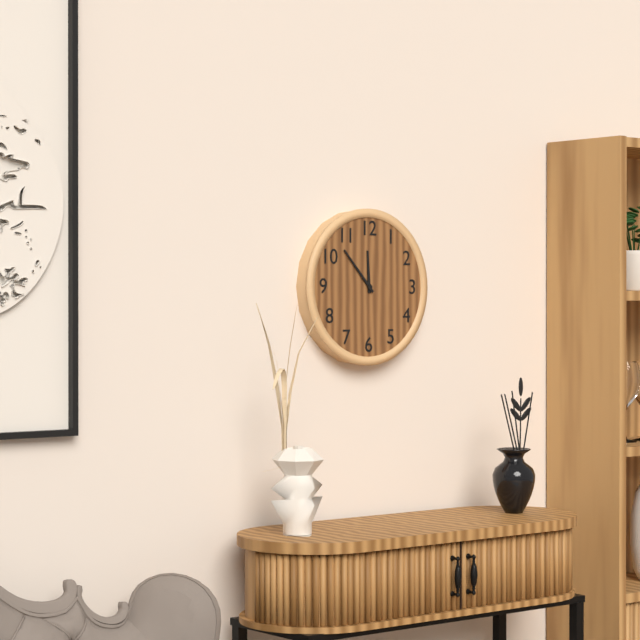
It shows 11,53
